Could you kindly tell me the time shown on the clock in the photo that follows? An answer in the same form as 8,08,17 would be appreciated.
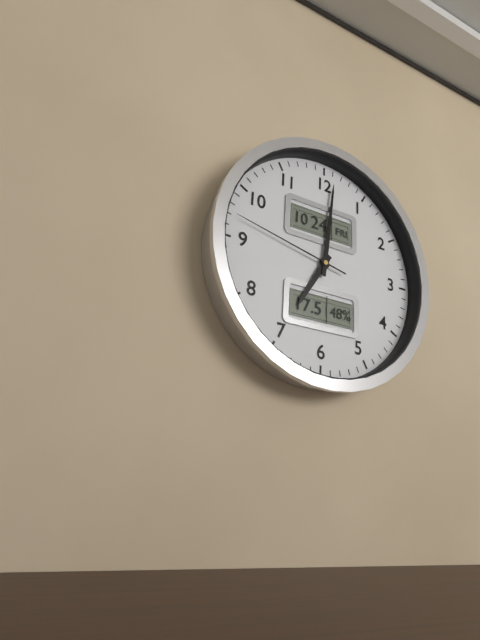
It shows 7,01,47
